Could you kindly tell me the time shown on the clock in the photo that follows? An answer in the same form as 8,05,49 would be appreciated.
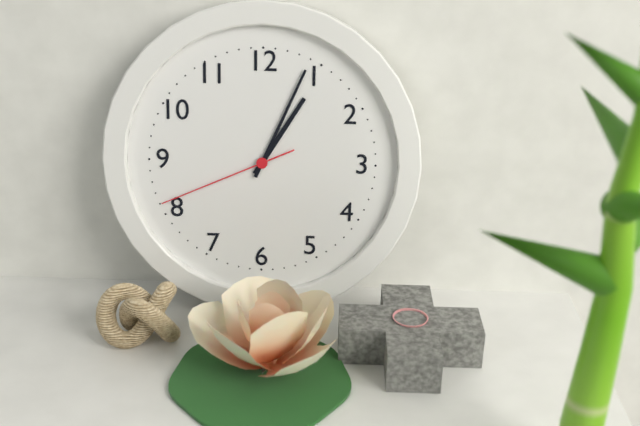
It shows 1,04,41
